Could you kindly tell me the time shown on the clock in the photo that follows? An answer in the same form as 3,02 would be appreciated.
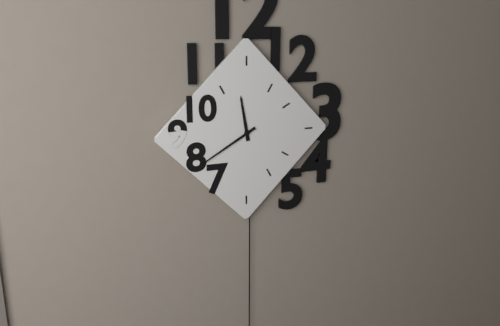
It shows 11,40
